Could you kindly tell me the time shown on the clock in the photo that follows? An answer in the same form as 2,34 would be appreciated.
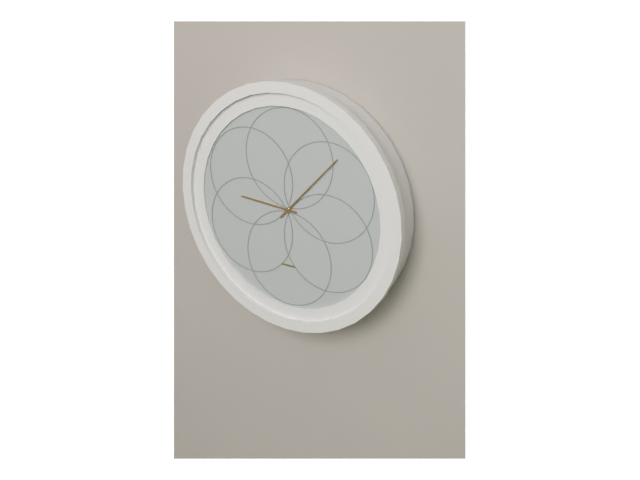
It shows 9,07
